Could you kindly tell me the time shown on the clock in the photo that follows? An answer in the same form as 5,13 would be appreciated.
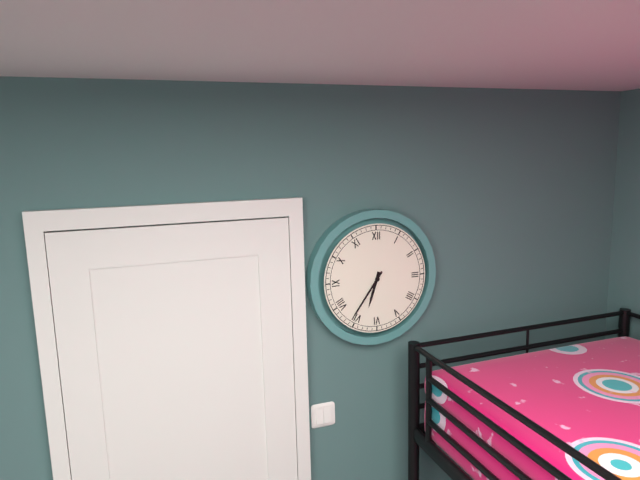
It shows 6,36
